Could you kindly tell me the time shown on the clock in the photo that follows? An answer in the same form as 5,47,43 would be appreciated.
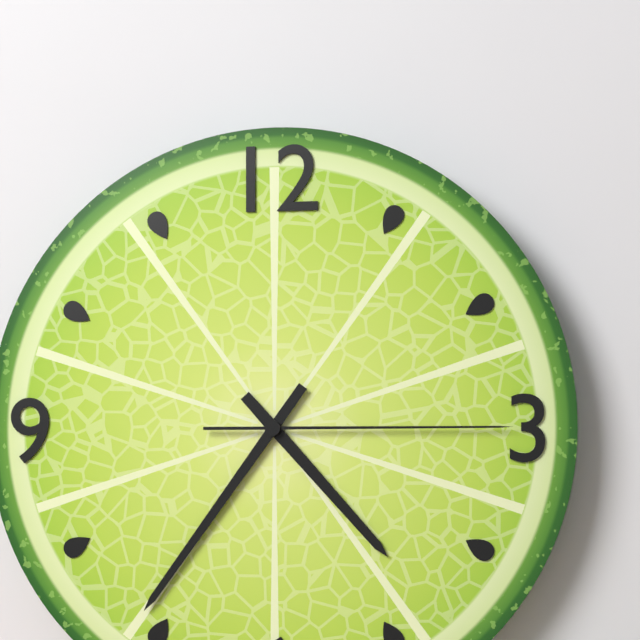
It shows 4,36,15
